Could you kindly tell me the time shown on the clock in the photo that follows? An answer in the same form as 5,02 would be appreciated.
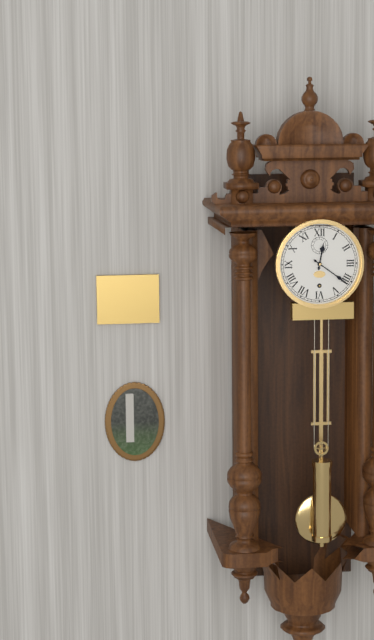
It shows 12,21
